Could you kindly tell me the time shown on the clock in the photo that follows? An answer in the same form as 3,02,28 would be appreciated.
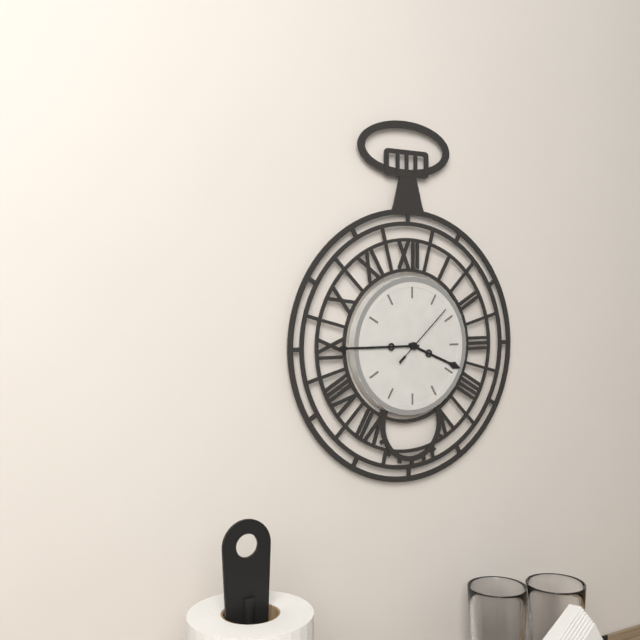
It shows 3,45,08
